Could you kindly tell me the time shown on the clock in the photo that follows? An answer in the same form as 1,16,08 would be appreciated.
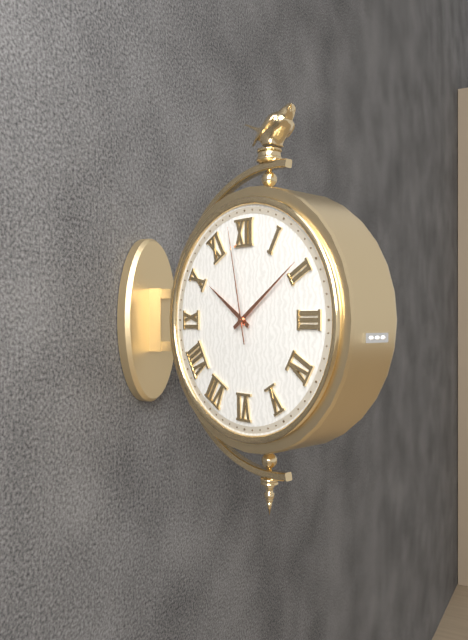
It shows 10,09,58
